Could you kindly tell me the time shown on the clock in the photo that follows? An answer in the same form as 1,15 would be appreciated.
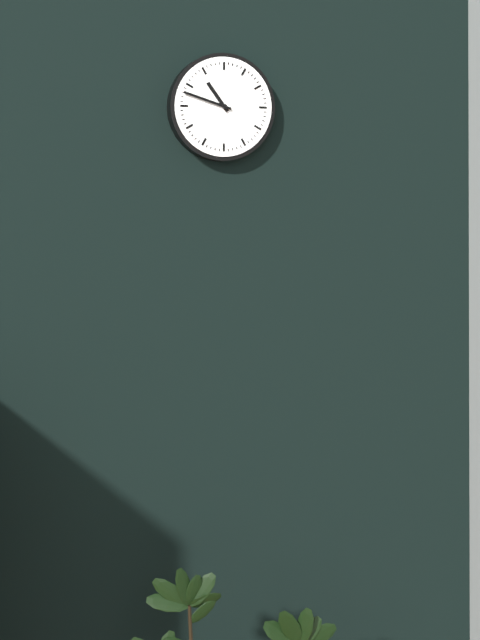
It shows 10,48
